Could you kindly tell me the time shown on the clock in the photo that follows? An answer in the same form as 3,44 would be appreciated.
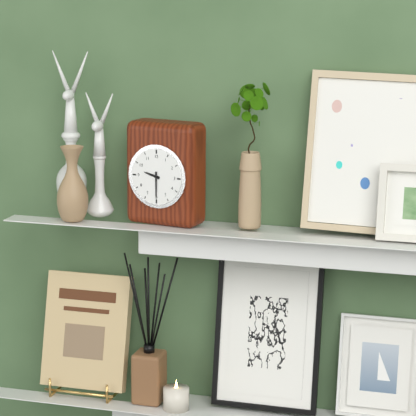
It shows 9,30
